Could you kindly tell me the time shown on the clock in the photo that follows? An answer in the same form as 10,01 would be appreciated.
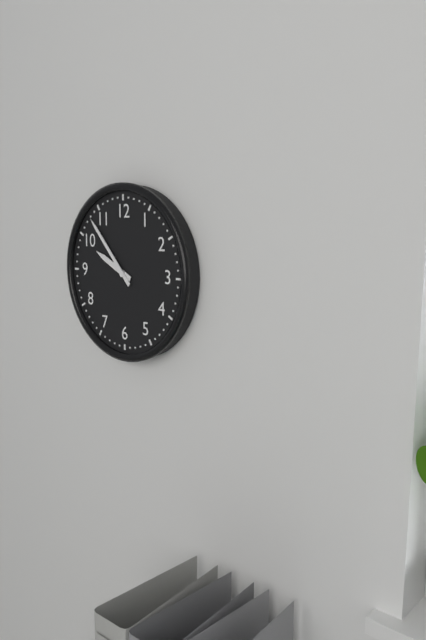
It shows 9,53
